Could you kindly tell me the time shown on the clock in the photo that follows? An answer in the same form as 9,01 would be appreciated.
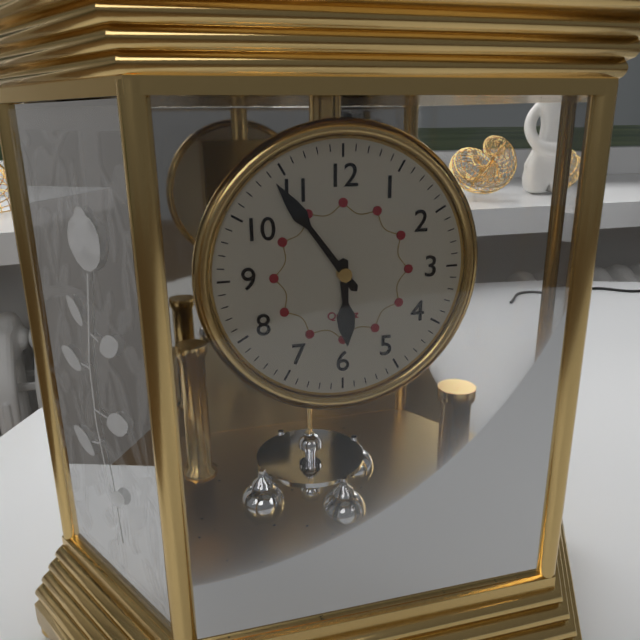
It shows 5,54
